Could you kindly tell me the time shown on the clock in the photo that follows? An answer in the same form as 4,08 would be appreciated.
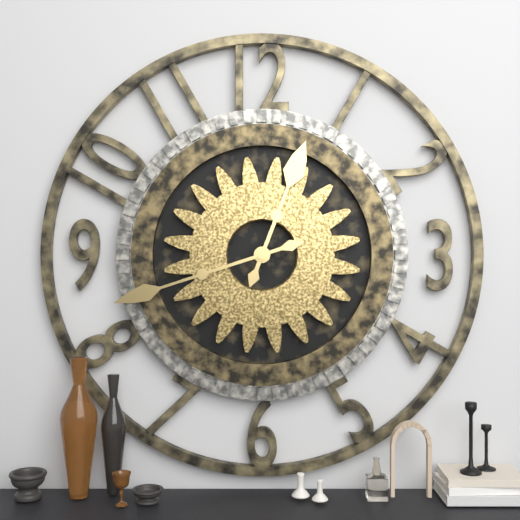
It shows 12,42
